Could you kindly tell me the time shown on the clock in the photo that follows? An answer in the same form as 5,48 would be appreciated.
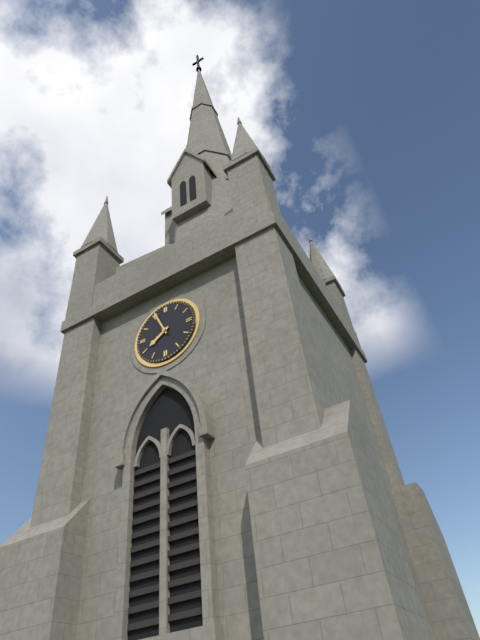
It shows 7,56
